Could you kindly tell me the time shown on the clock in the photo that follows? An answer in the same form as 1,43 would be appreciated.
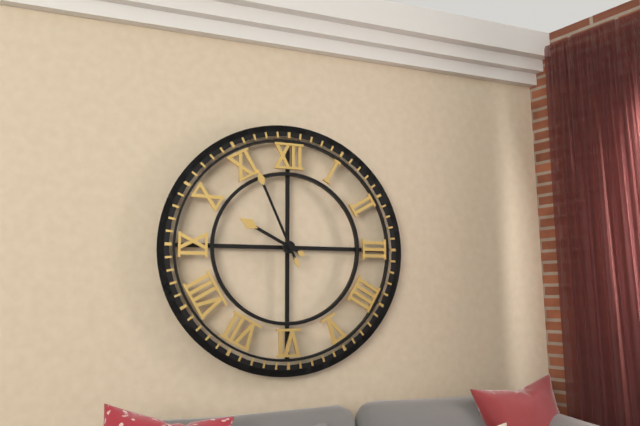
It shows 9,56
